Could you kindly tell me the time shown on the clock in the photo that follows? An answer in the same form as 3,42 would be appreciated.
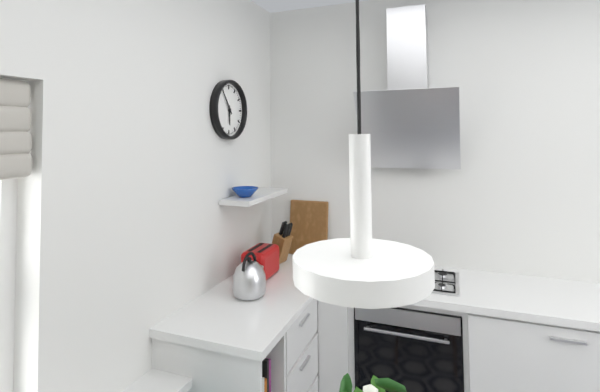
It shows 5,54
